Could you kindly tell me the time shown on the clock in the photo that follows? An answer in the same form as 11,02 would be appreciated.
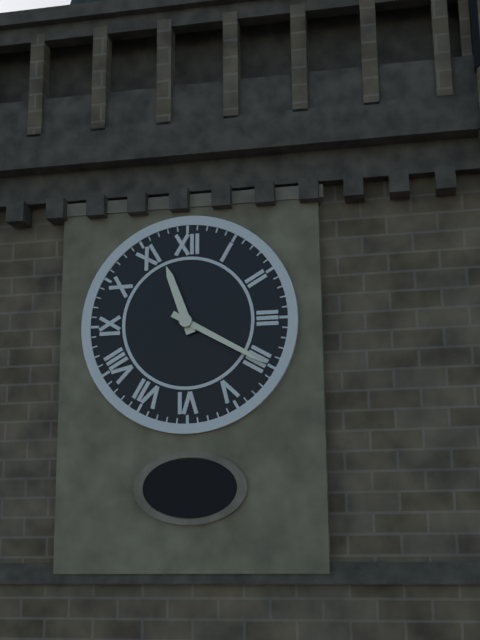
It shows 11,20
